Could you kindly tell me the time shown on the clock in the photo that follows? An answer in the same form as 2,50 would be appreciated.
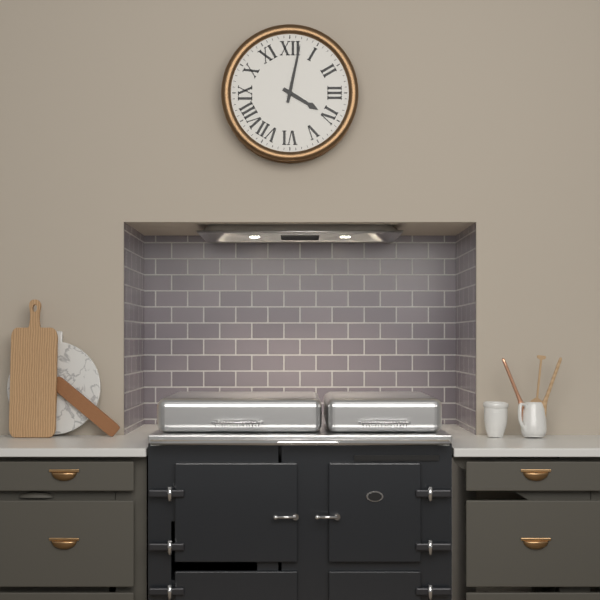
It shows 4,02
